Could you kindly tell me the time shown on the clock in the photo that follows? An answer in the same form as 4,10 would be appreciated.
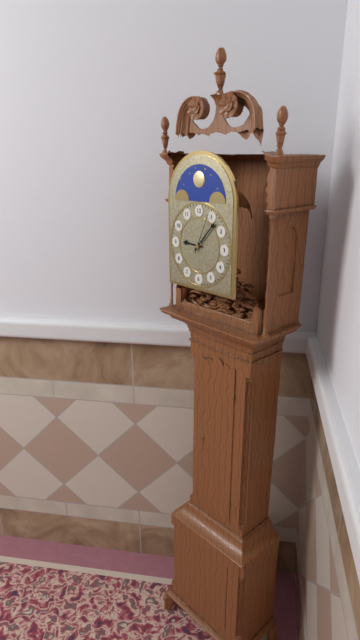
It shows 9,07
